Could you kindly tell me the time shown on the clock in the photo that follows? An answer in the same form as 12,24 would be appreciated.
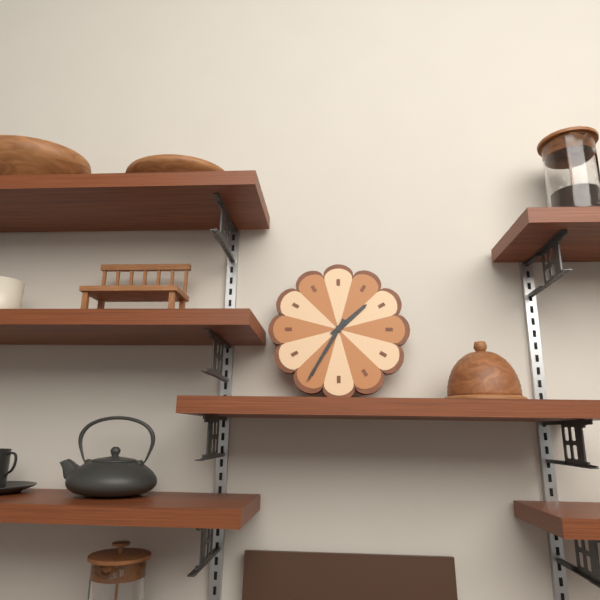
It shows 1,35
